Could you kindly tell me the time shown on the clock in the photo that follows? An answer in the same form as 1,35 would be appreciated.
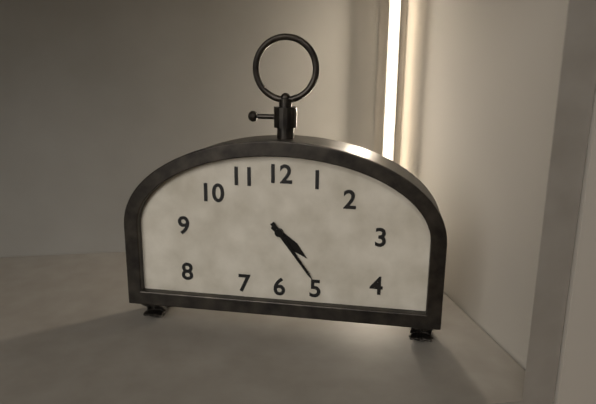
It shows 4,24
